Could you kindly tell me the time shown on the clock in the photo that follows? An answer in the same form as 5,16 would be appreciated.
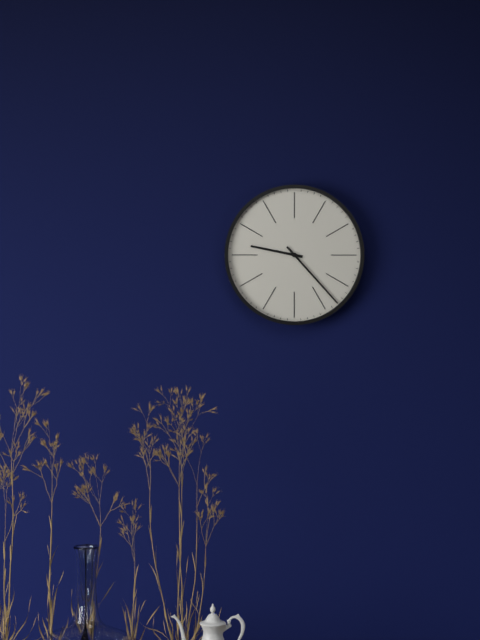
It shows 9,23
